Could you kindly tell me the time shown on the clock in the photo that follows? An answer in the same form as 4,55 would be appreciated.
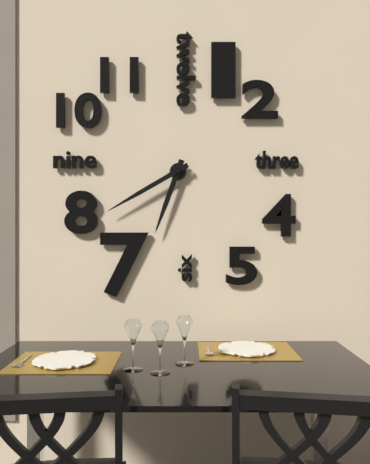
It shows 6,40
